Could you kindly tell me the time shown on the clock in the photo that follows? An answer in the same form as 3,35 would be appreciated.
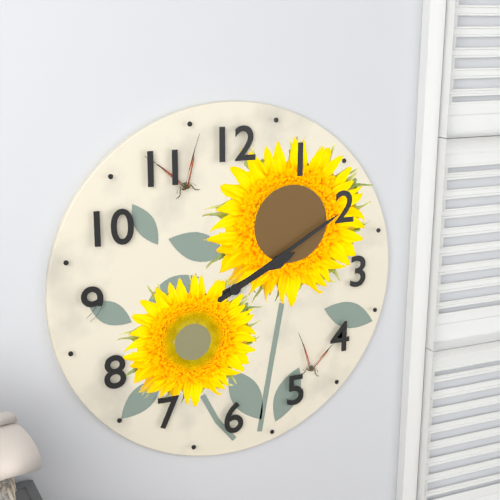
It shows 2,10
